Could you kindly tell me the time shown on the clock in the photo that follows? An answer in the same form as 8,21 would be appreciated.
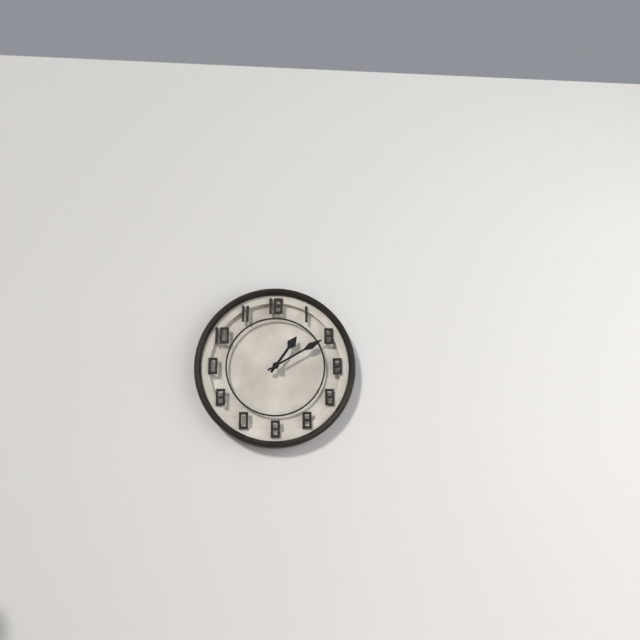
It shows 1,10
